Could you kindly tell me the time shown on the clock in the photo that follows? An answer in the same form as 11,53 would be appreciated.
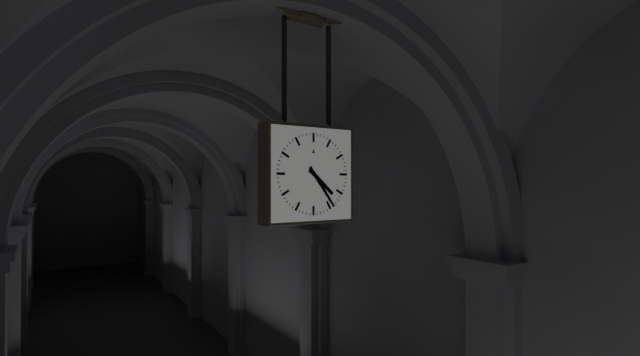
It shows 4,24
